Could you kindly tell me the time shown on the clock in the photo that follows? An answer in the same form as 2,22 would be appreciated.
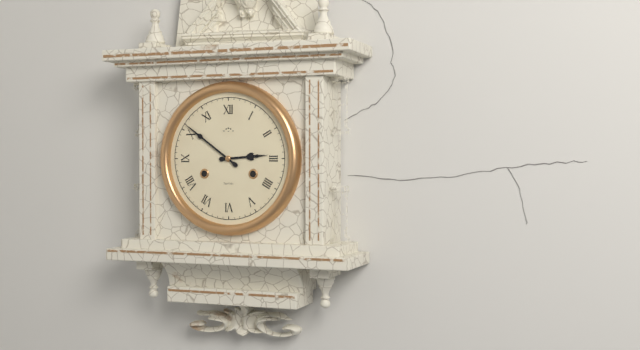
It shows 2,51
